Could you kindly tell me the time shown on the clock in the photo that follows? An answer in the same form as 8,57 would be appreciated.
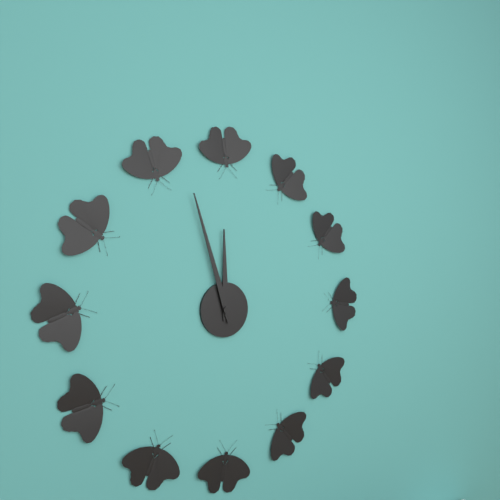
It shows 11,57
